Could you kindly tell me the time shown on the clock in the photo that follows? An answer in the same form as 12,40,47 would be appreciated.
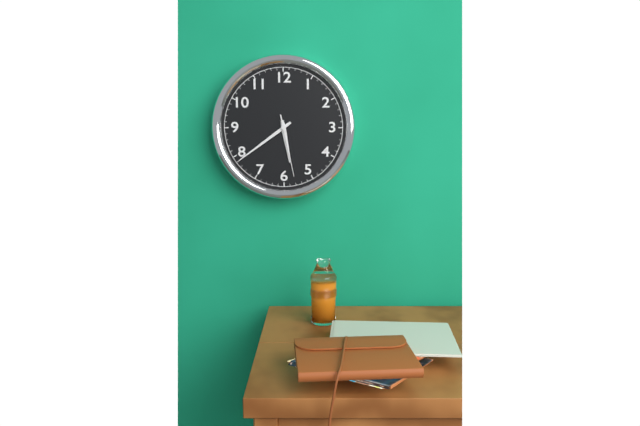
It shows 5,39,28
